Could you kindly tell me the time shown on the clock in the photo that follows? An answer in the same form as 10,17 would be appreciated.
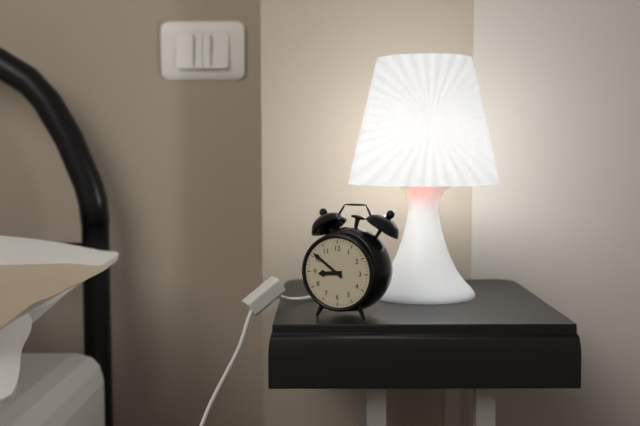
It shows 8,51
